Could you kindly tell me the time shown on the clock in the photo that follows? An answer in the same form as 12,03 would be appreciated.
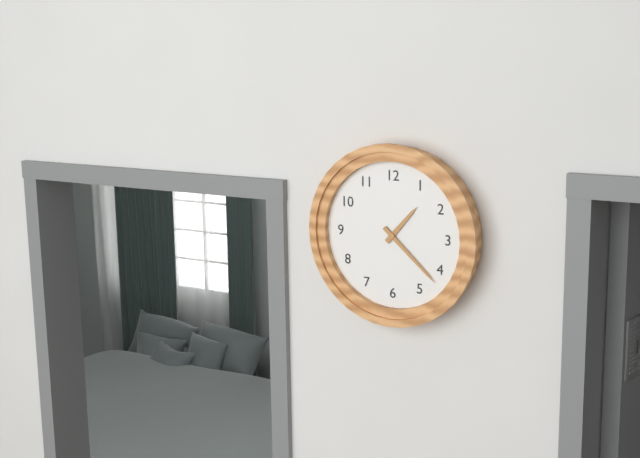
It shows 1,22
